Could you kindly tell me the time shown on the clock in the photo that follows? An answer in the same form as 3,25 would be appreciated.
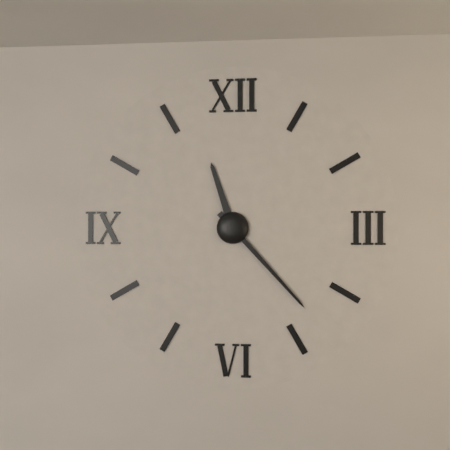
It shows 11,23
